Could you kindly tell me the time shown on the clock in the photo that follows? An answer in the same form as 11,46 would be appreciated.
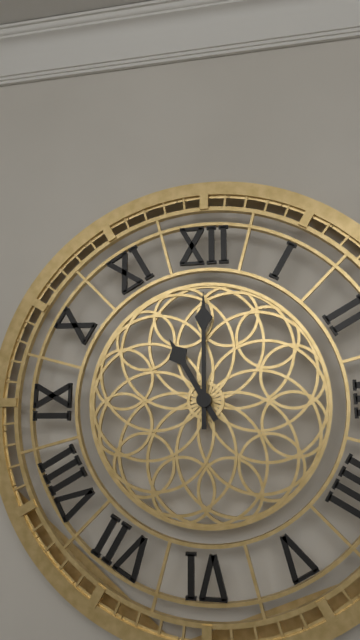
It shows 11,00
